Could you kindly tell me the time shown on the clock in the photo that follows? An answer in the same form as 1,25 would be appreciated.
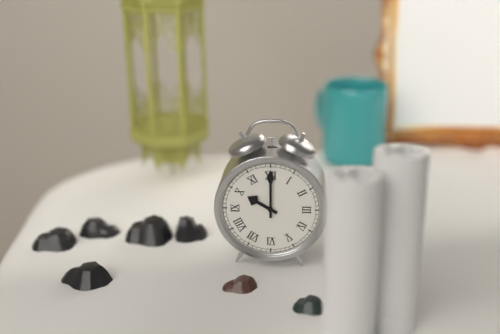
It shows 10,00
